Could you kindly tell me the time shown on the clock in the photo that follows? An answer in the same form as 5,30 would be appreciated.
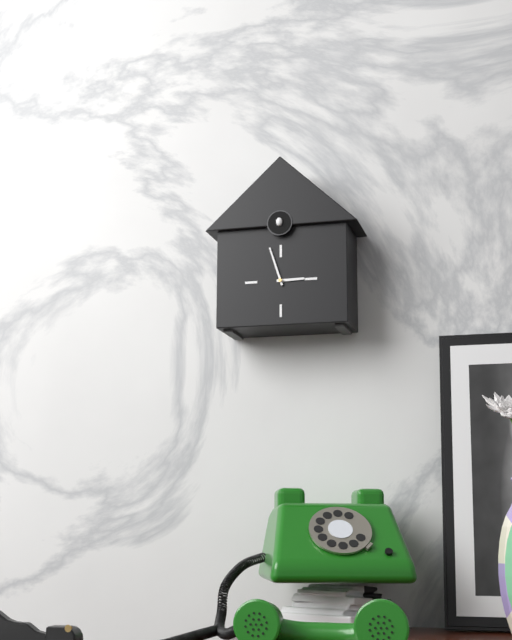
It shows 2,57
